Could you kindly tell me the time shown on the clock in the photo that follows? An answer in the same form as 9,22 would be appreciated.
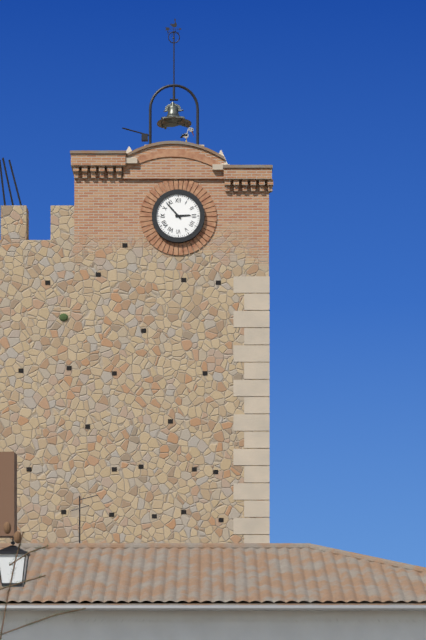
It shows 2,53
